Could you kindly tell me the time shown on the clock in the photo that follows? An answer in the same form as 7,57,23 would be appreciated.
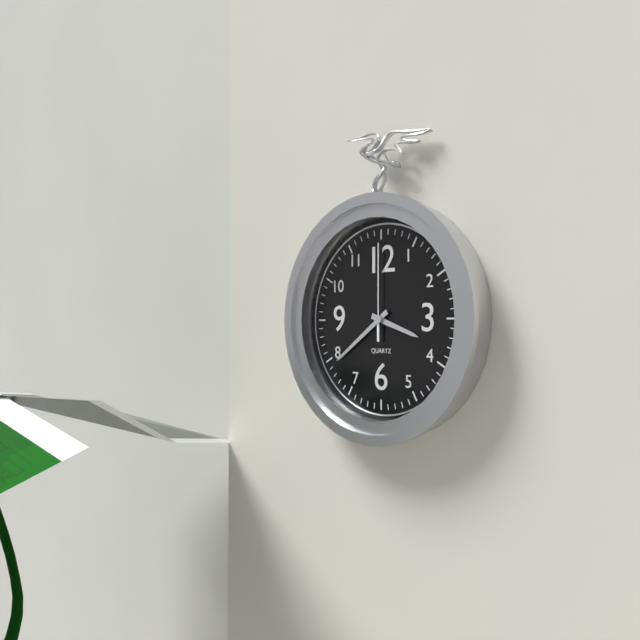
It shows 3,39,00
